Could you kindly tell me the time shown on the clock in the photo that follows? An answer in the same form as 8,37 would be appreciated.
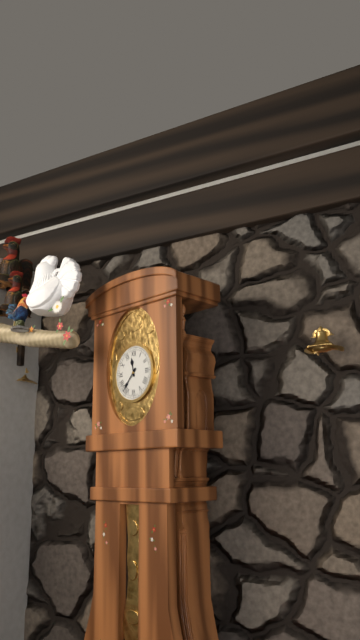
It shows 11,37
